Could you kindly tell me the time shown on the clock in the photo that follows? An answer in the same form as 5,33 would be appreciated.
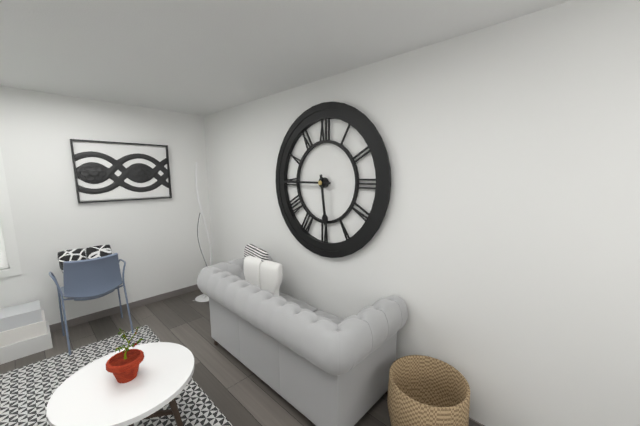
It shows 5,45
